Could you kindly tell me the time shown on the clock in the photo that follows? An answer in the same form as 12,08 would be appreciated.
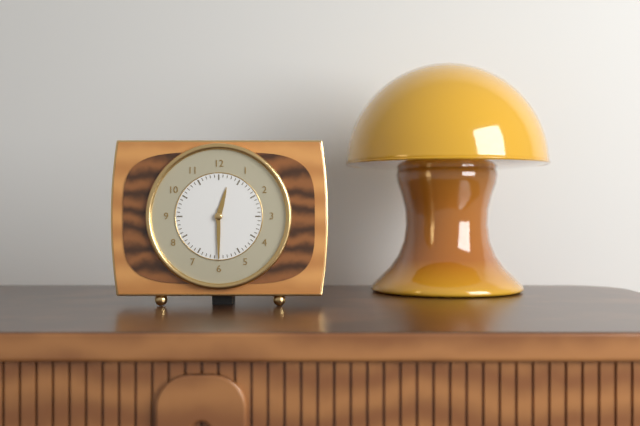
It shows 12,30
